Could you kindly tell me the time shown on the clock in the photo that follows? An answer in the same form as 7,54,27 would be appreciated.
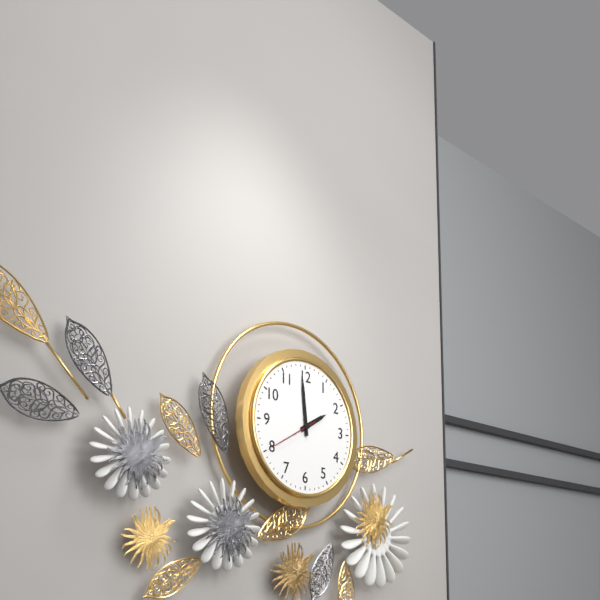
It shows 1,59,40
